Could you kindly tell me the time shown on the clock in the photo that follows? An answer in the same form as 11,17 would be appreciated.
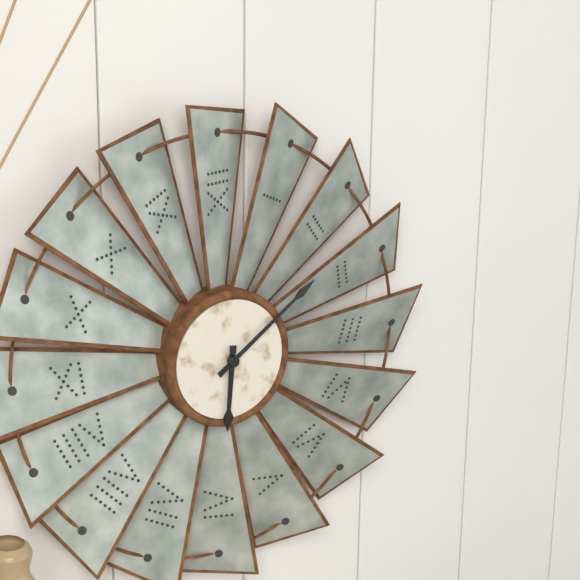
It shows 6,09
